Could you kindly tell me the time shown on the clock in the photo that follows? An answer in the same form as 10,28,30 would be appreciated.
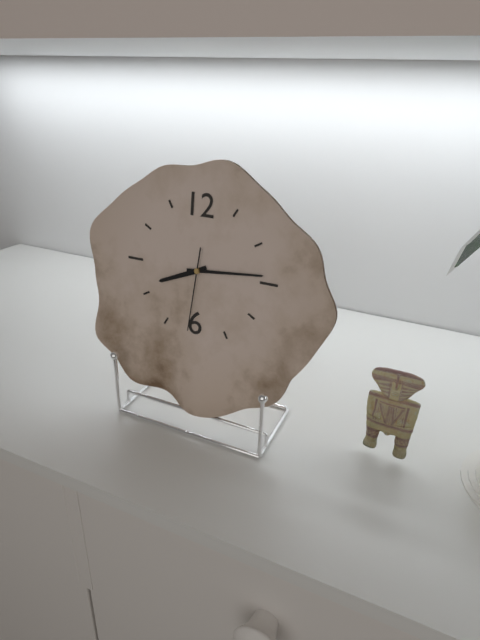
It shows 8,14,31
